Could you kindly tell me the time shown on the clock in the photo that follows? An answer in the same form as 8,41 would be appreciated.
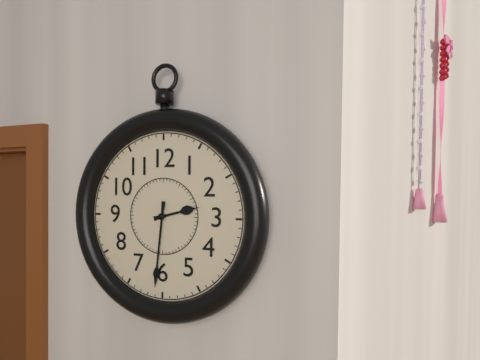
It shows 2,31
